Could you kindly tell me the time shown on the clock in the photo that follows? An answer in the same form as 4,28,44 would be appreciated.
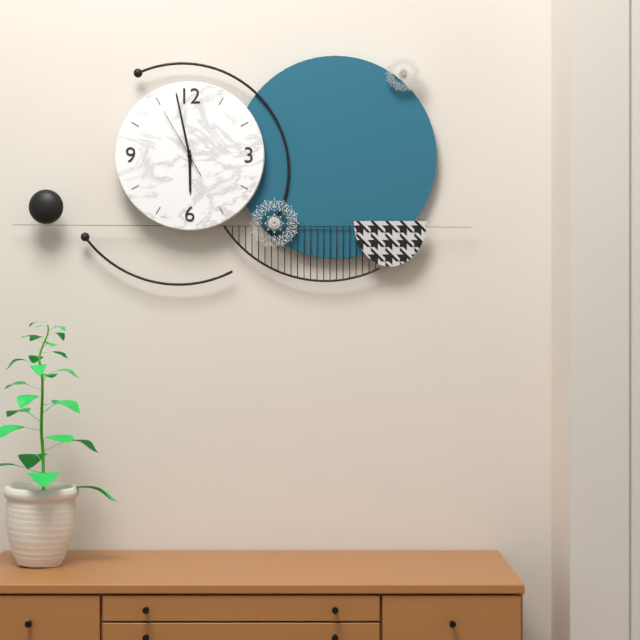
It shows 5,58,55
